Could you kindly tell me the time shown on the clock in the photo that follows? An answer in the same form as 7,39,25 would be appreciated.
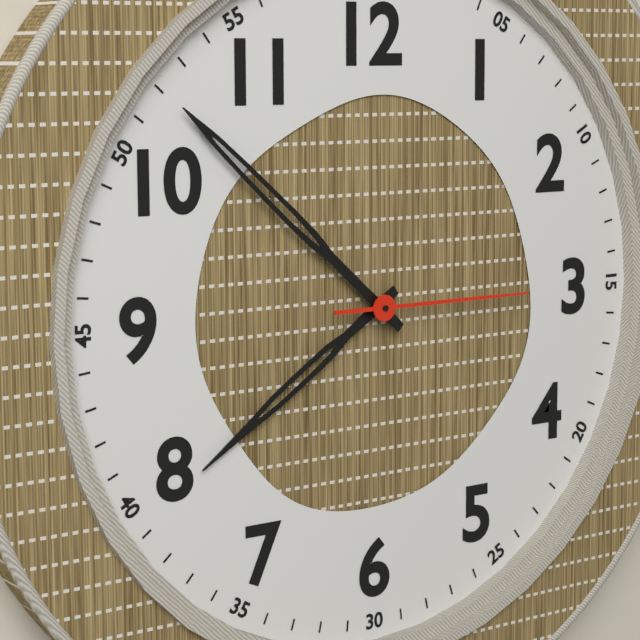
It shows 7,52,15
